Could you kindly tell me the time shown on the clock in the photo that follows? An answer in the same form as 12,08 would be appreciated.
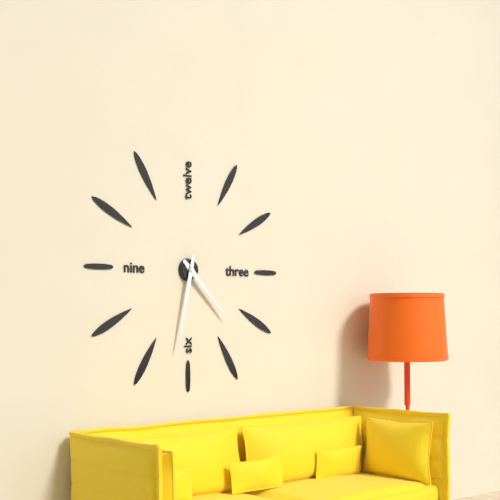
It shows 4,32
